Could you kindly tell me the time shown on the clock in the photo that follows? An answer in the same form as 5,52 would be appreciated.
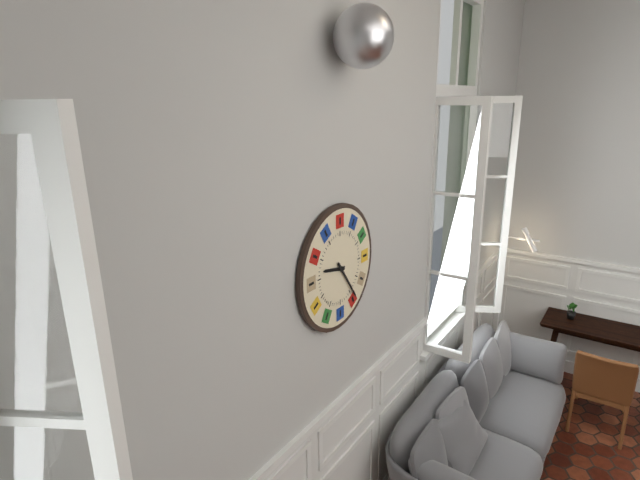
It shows 9,24
